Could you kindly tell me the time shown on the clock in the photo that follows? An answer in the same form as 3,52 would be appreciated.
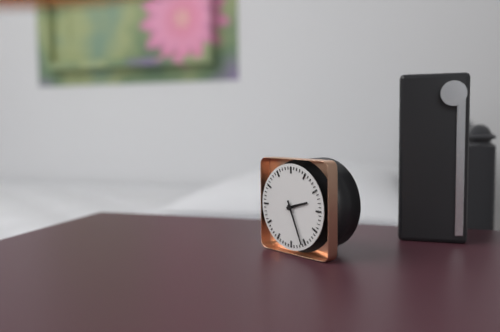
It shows 2,26
